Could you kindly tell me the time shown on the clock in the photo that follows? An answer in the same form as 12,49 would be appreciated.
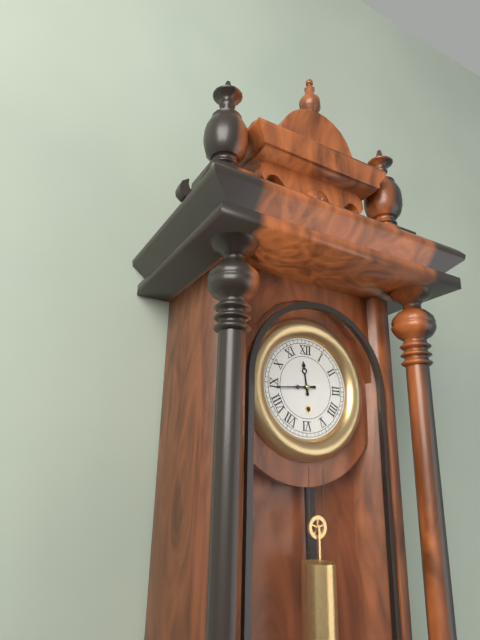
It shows 11,44
